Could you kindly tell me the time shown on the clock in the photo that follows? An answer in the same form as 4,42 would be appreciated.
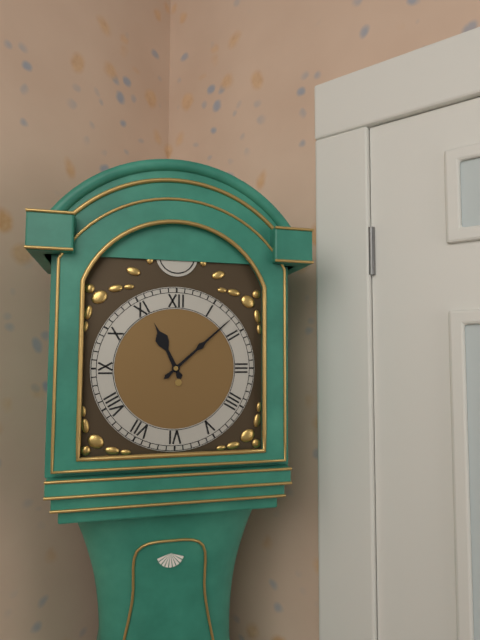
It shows 11,08
